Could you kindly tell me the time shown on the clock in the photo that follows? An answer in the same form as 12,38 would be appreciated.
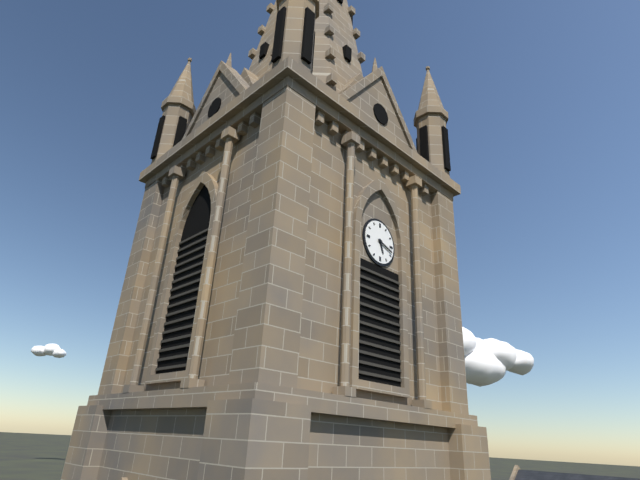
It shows 5,18
